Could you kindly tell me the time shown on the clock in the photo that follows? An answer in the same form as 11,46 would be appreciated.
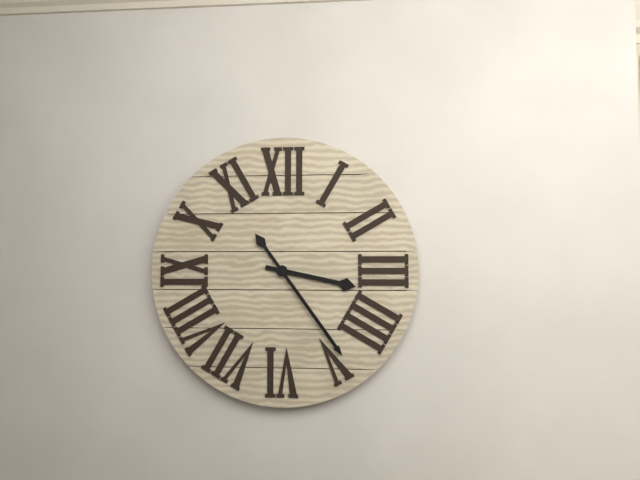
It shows 3,24
